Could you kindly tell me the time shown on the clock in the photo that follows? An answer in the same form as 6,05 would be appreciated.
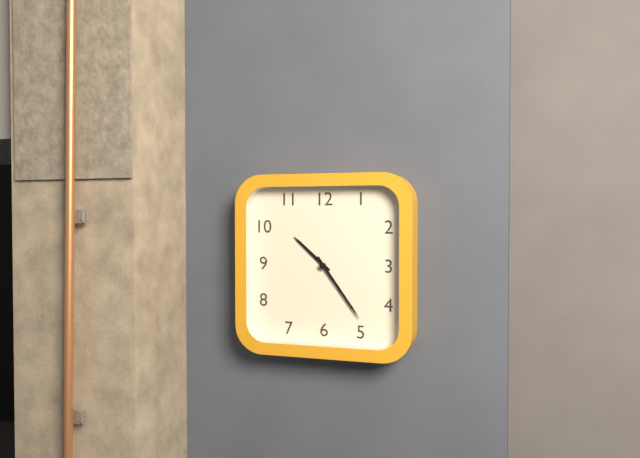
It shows 10,24
